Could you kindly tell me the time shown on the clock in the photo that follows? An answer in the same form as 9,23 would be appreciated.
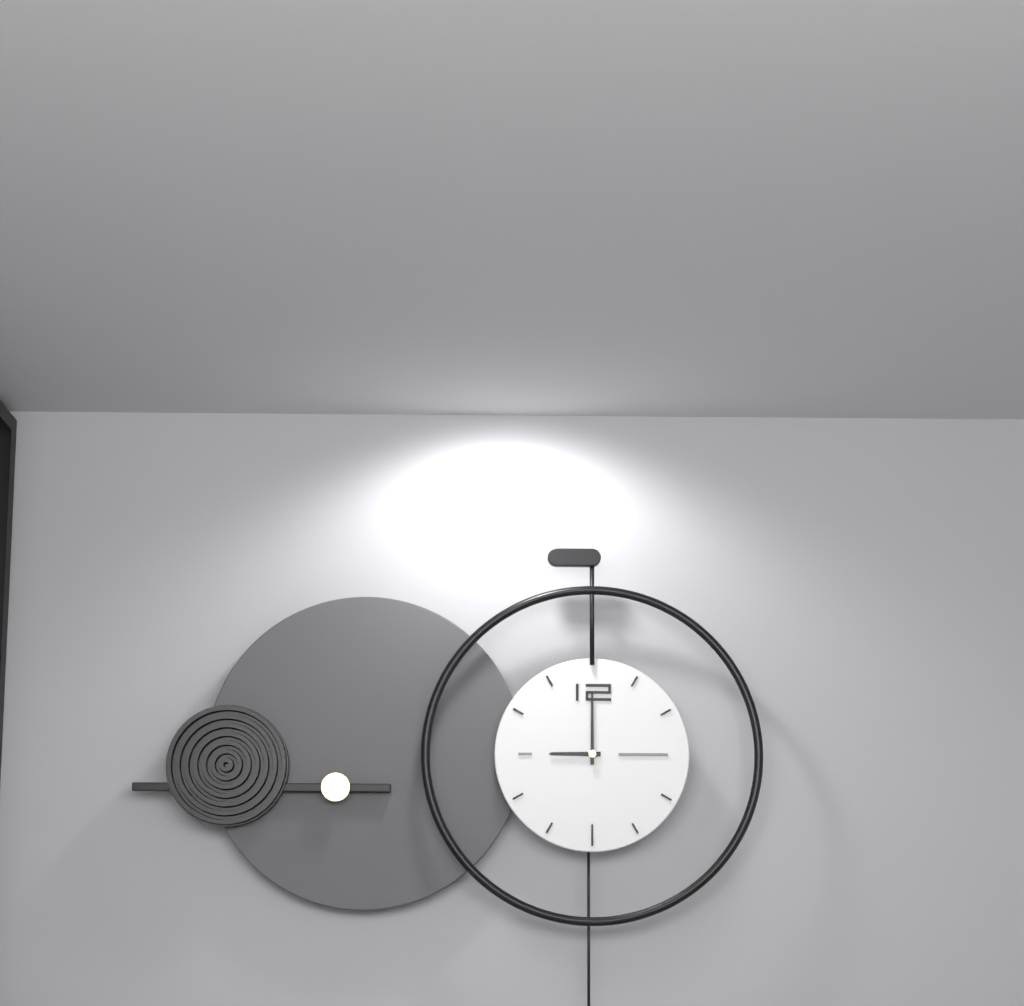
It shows 9,00
